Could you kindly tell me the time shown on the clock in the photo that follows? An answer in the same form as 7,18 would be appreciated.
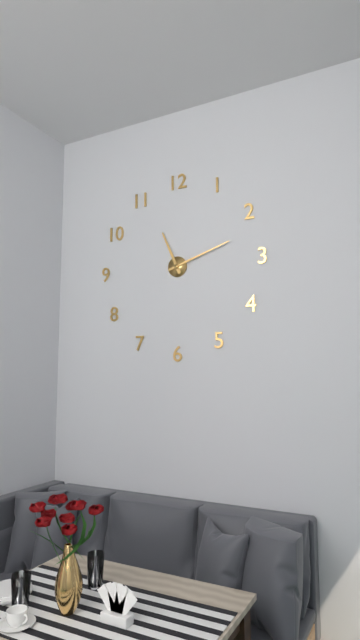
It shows 11,12
